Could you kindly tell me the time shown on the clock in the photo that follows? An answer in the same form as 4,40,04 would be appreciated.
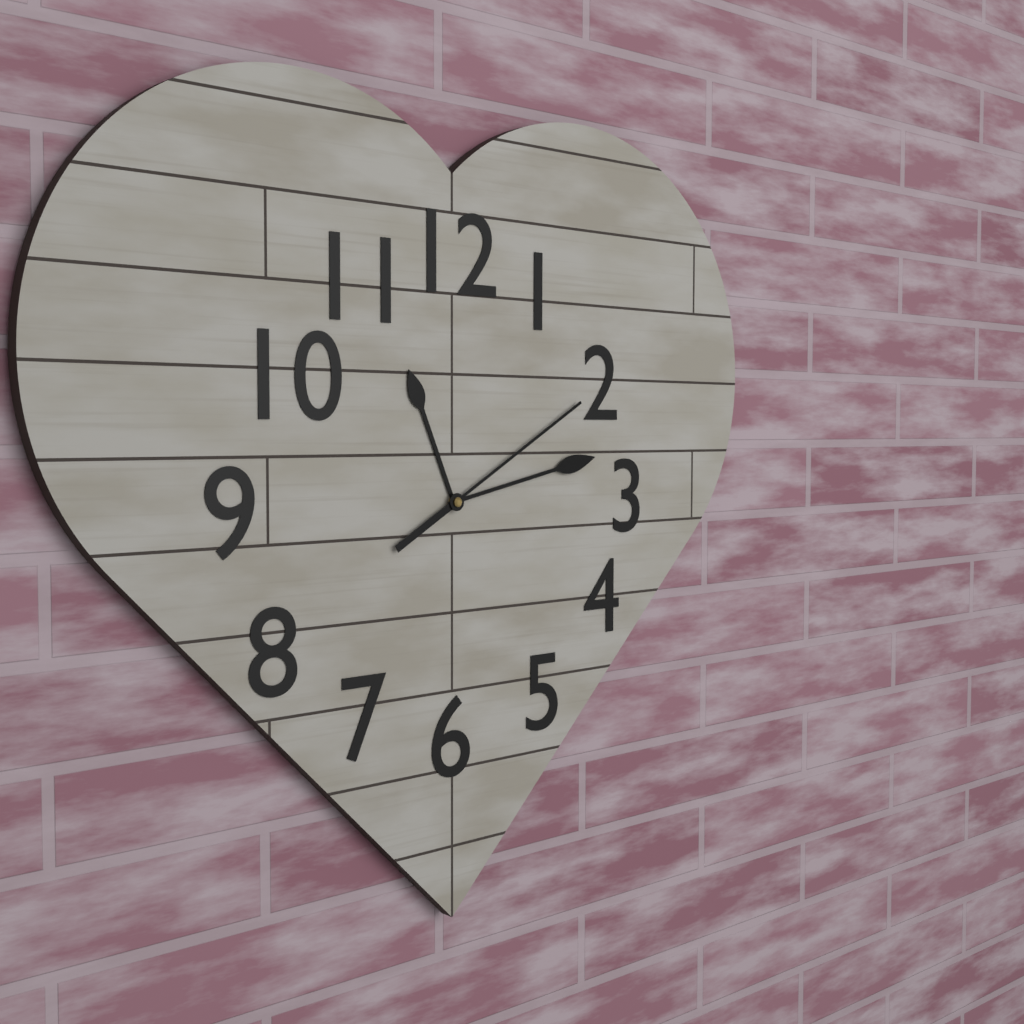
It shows 11,13,10
